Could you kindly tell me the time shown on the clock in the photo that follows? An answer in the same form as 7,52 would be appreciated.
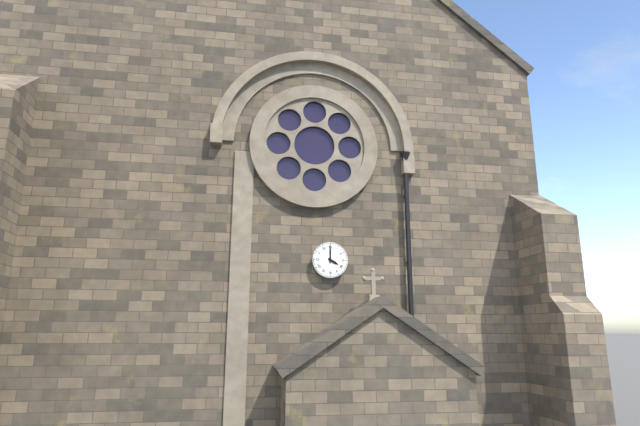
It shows 4,00
